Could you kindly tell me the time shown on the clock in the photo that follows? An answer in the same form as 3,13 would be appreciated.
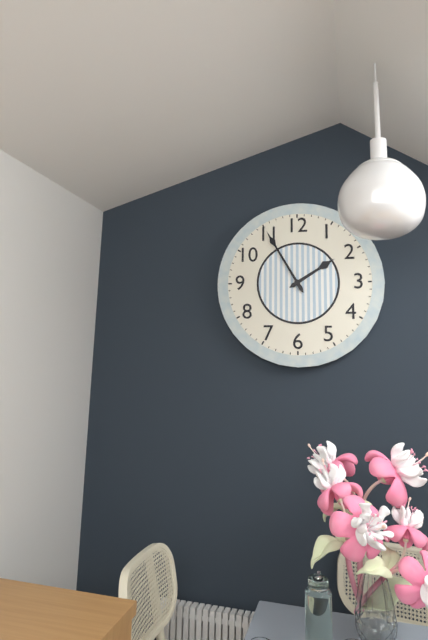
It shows 1,55
